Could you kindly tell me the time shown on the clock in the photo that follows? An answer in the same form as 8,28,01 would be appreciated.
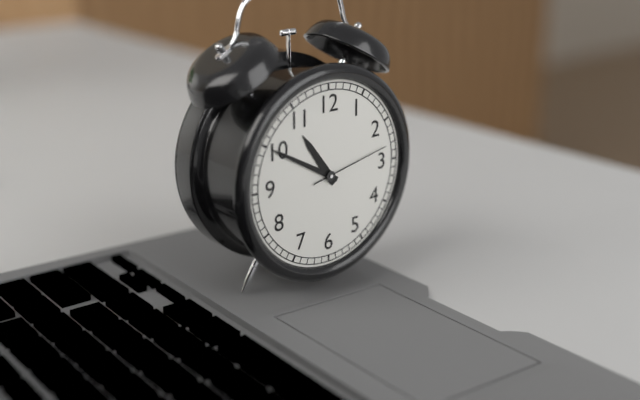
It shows 10,50,13
